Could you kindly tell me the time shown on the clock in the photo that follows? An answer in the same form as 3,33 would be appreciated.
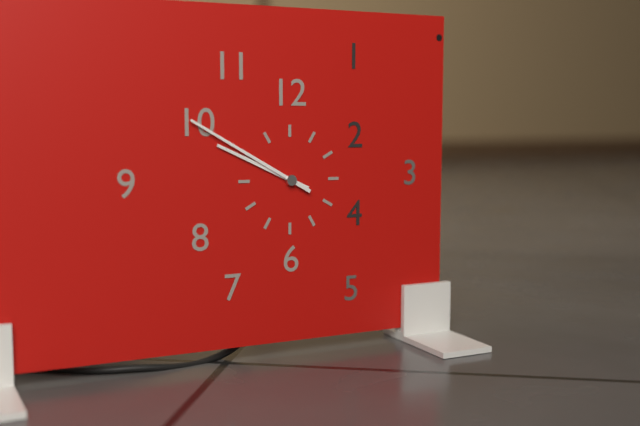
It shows 9,50
